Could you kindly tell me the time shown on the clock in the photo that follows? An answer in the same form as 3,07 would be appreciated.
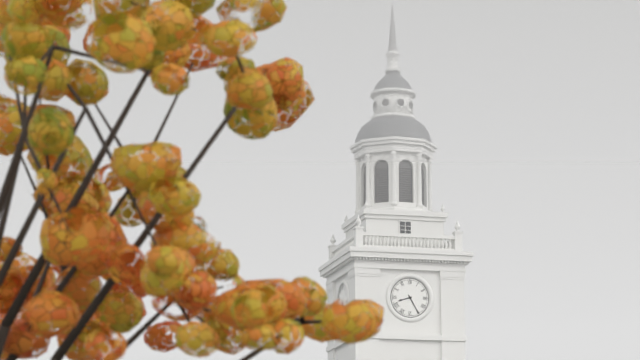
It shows 8,25
